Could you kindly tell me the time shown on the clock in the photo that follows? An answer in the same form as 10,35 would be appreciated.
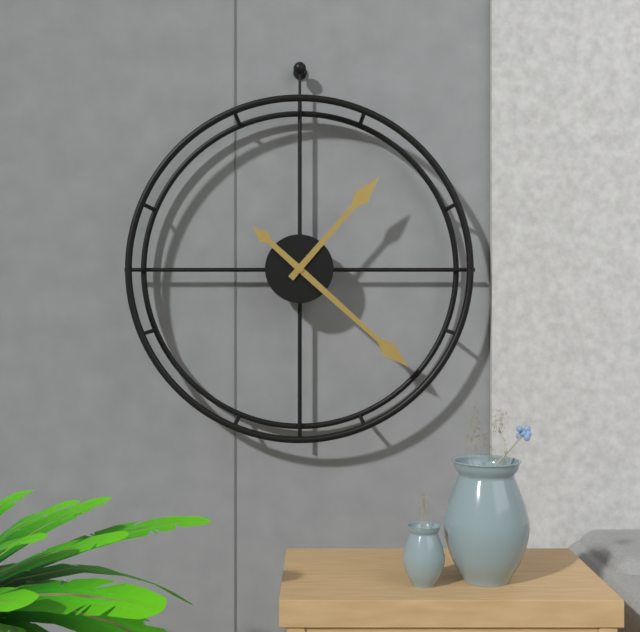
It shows 1,22
